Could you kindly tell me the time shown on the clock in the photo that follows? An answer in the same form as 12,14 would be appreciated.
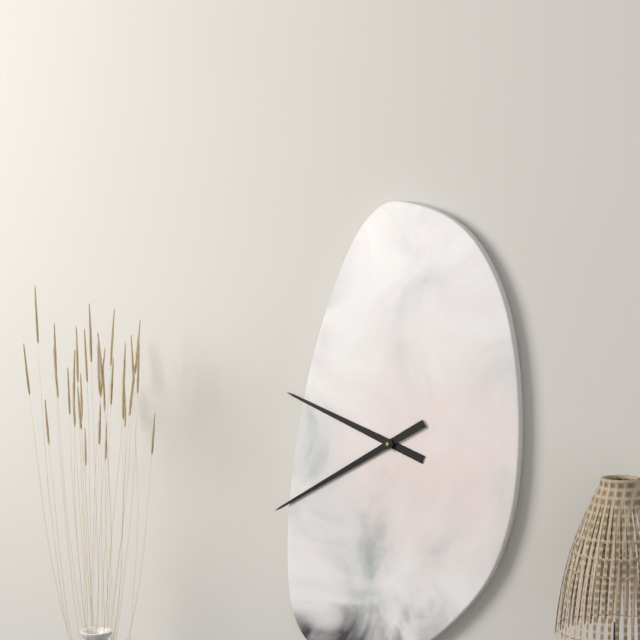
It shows 9,40
